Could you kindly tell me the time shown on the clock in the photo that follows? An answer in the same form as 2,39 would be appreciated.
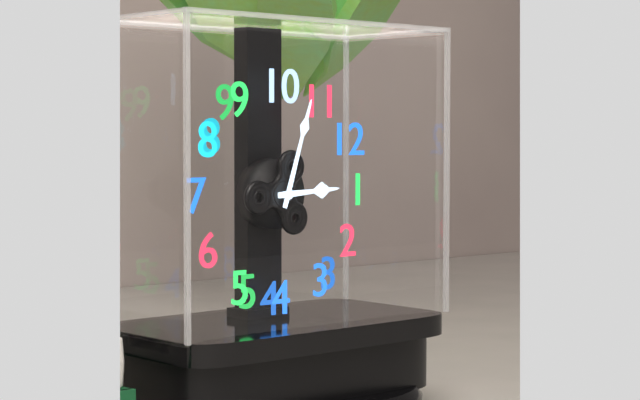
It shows 12,53
